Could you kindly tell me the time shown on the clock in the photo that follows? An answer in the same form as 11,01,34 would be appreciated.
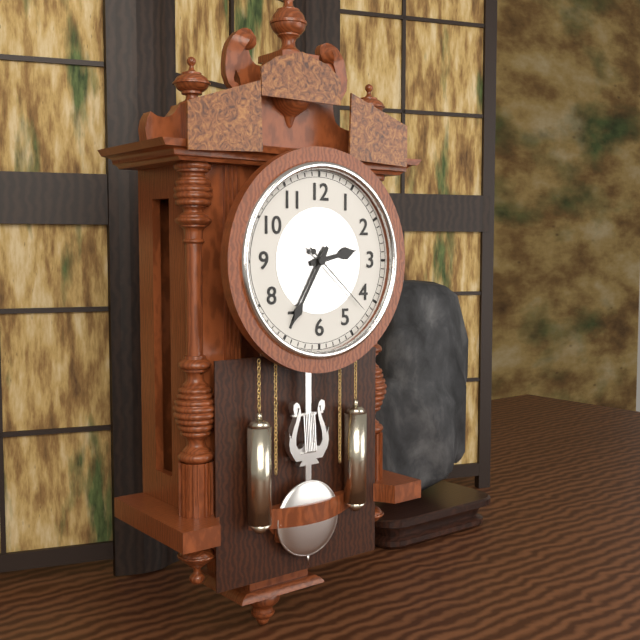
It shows 2,35,22
